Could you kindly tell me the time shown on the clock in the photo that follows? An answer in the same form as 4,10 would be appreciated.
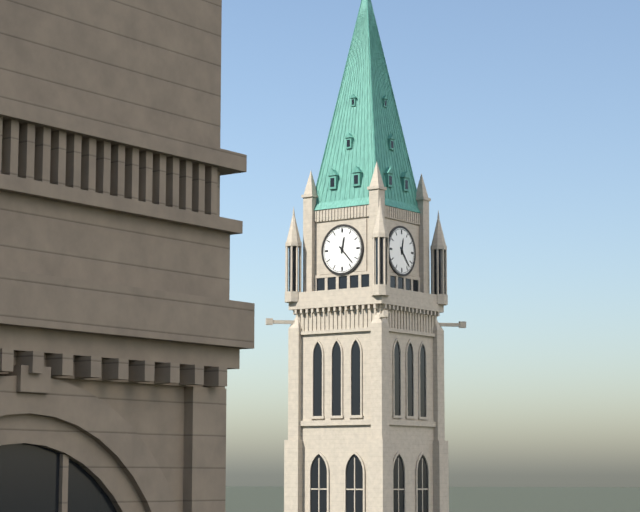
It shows 12,23
